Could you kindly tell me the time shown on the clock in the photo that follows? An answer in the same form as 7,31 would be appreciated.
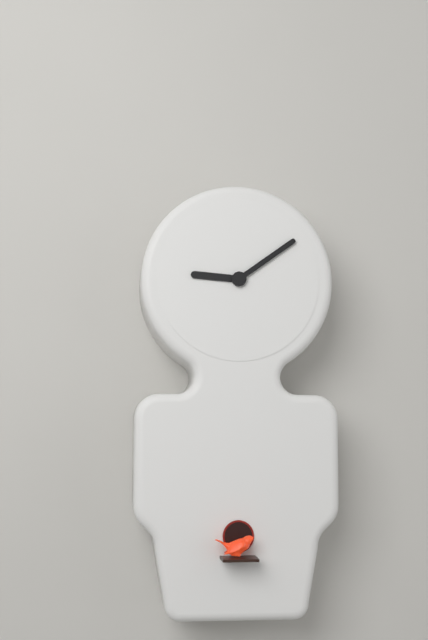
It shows 9,09
